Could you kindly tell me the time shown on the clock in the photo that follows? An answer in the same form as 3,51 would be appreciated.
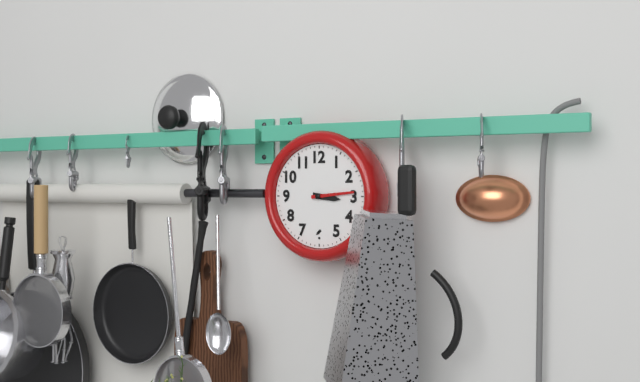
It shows 3,14
